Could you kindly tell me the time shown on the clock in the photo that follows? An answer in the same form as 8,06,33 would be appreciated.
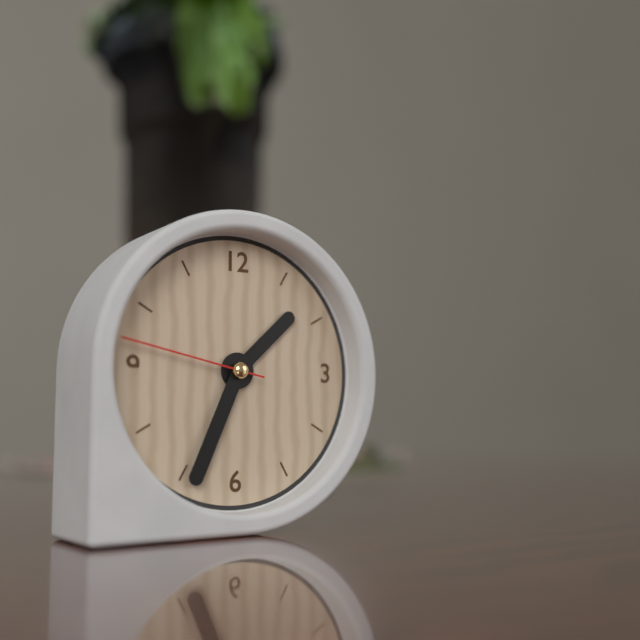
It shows 1,34,47
